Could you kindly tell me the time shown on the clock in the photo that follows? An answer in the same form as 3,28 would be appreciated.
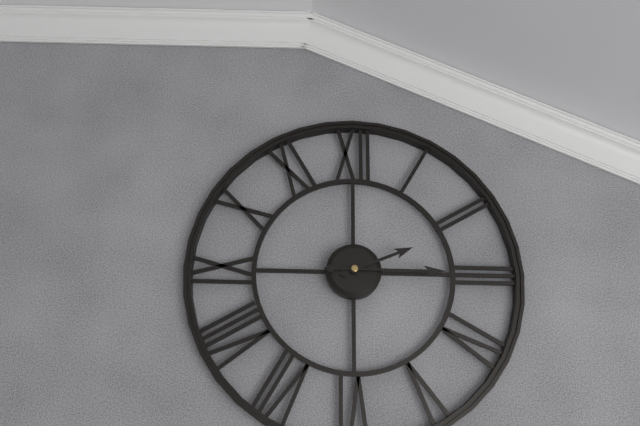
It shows 2,15
